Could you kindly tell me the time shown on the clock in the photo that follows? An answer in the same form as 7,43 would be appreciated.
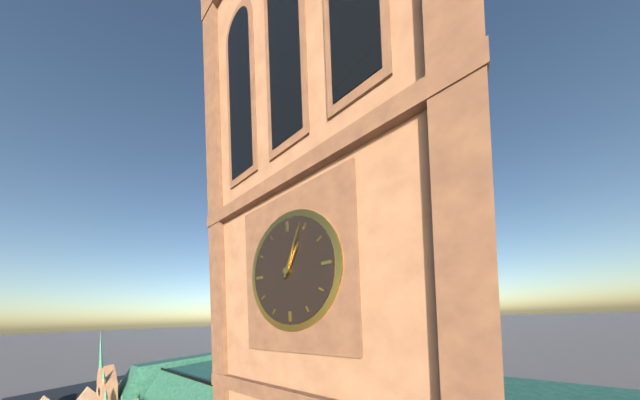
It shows 1,04
